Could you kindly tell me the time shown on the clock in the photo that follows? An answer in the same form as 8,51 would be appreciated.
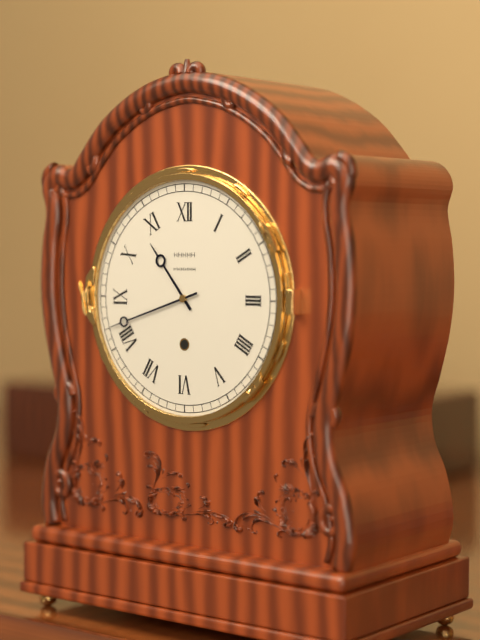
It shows 10,42
